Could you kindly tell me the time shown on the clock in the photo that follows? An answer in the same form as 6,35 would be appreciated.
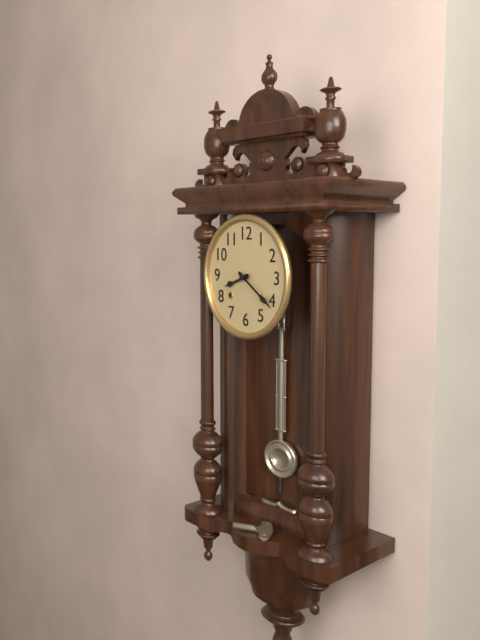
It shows 8,21
